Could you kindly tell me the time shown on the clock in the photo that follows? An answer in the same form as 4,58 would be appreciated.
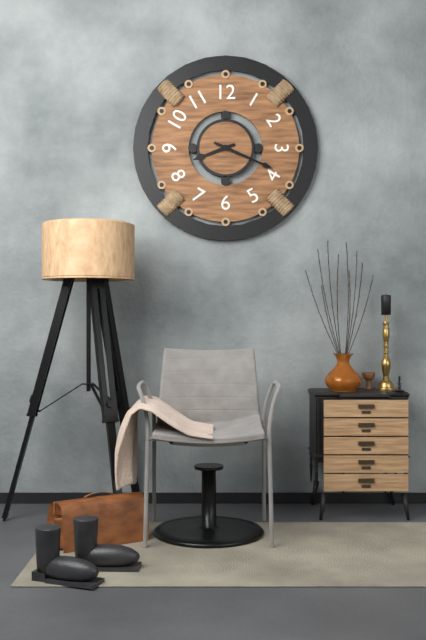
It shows 8,19
